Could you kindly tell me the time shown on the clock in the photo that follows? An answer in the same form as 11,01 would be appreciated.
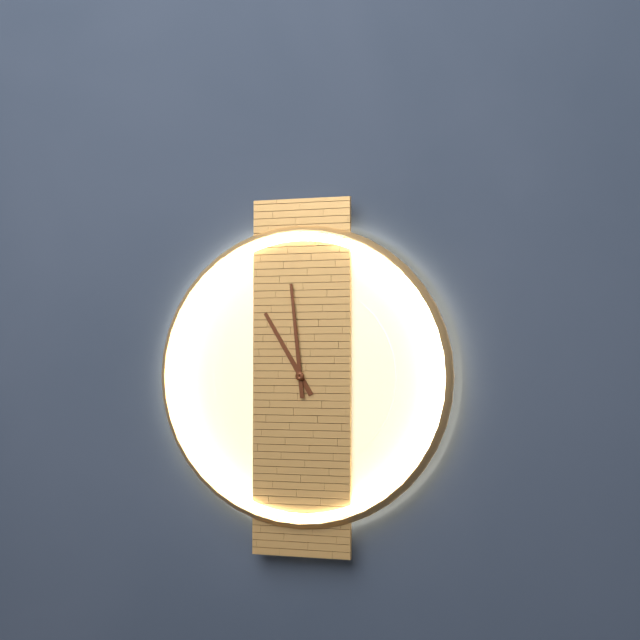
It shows 10,59
